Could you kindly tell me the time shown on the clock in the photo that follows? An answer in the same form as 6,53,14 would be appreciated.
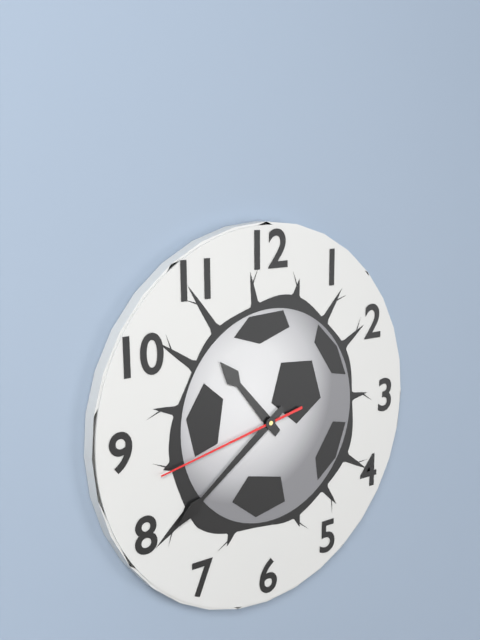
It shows 10,39,43
